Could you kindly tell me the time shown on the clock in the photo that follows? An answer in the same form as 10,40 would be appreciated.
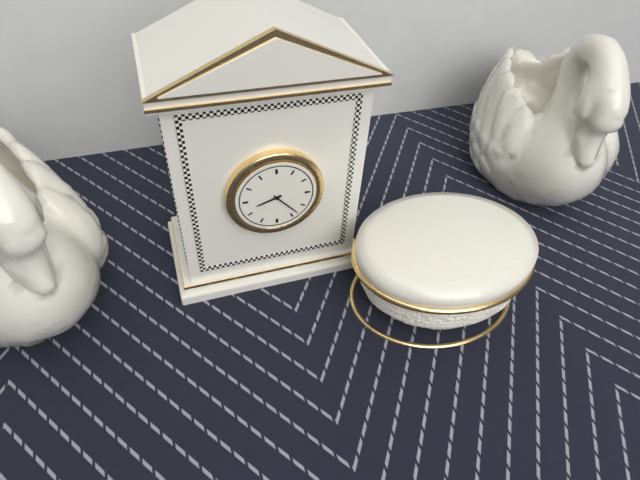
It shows 8,23
